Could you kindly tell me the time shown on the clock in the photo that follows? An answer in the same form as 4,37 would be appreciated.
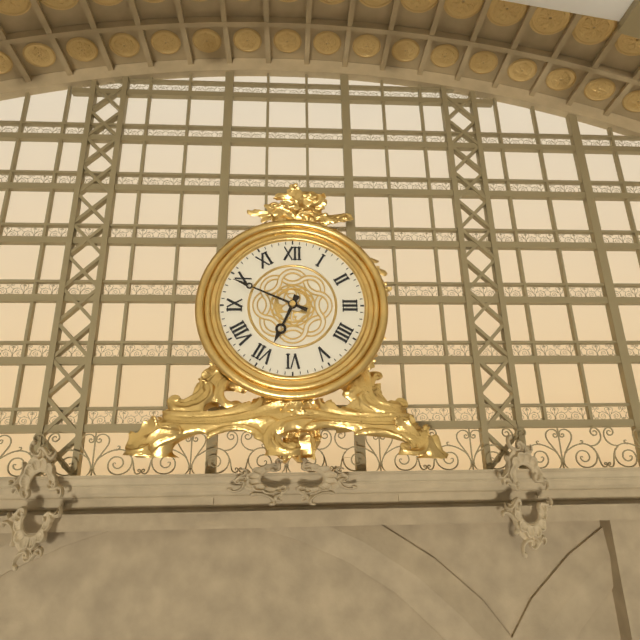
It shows 6,49
